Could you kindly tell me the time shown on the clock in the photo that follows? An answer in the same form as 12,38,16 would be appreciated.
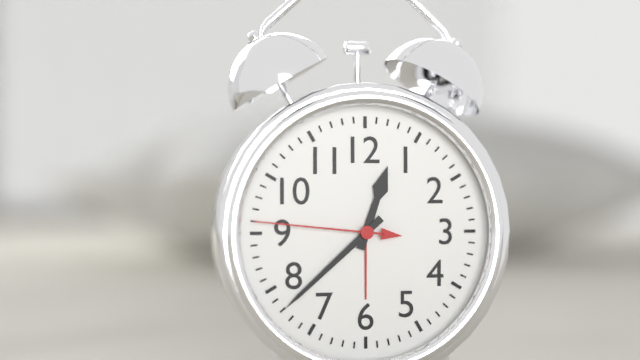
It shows 12,38,46
